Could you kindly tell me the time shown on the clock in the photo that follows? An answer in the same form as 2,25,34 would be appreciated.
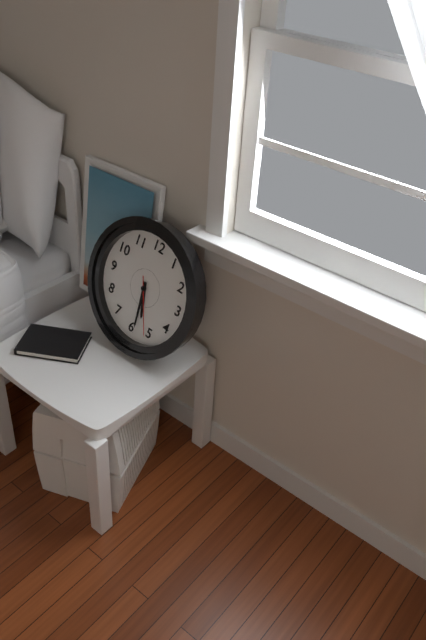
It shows 5,29,26
